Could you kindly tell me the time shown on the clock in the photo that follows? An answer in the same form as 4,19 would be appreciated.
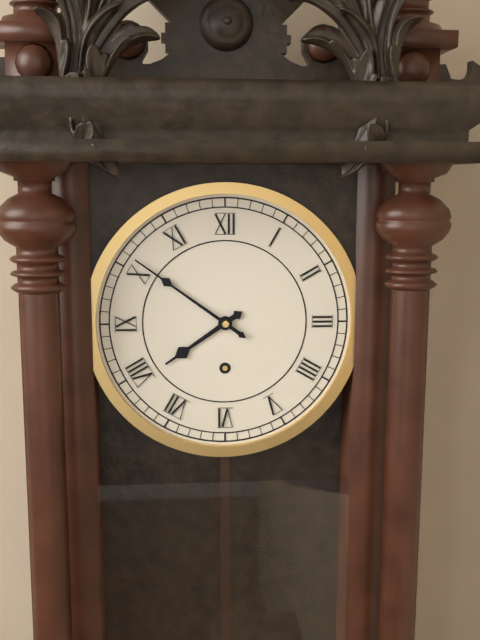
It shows 7,51
